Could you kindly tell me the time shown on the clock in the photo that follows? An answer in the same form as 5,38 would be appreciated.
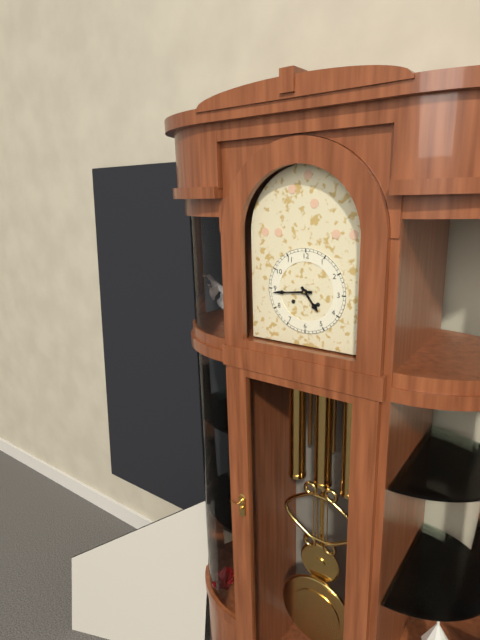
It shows 4,44
